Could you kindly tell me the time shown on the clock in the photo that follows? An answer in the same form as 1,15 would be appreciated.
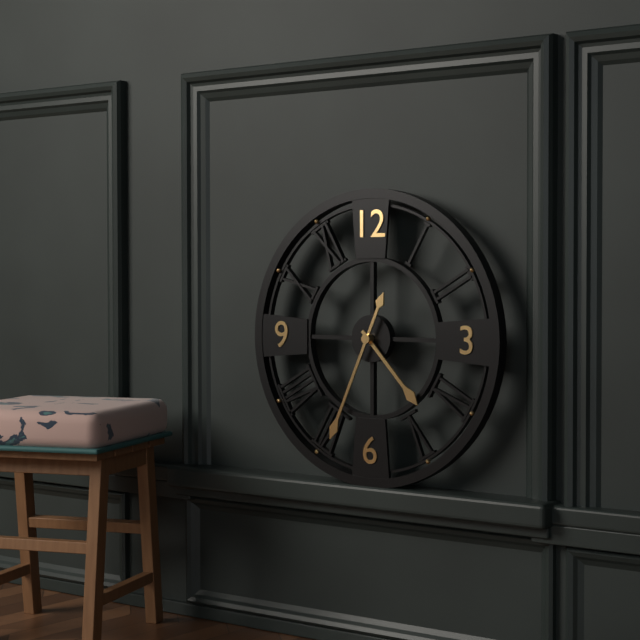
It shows 4,34
